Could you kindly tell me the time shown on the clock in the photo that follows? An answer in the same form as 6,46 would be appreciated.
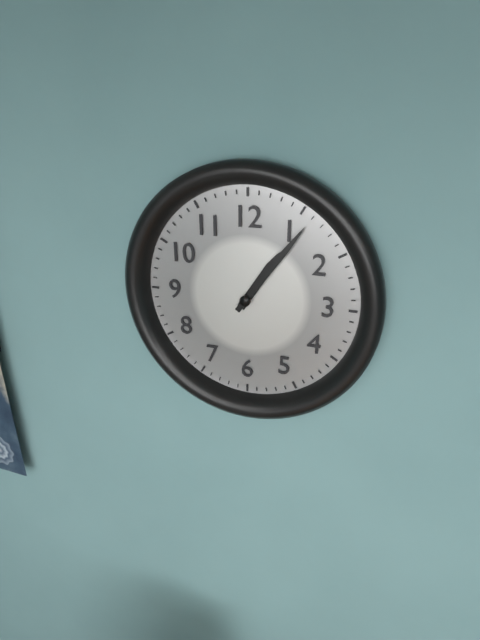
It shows 1,06
